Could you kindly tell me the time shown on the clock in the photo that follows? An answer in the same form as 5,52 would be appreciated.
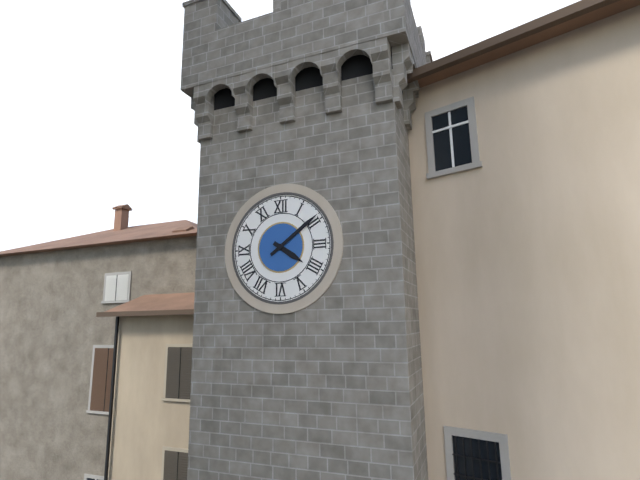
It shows 4,09
